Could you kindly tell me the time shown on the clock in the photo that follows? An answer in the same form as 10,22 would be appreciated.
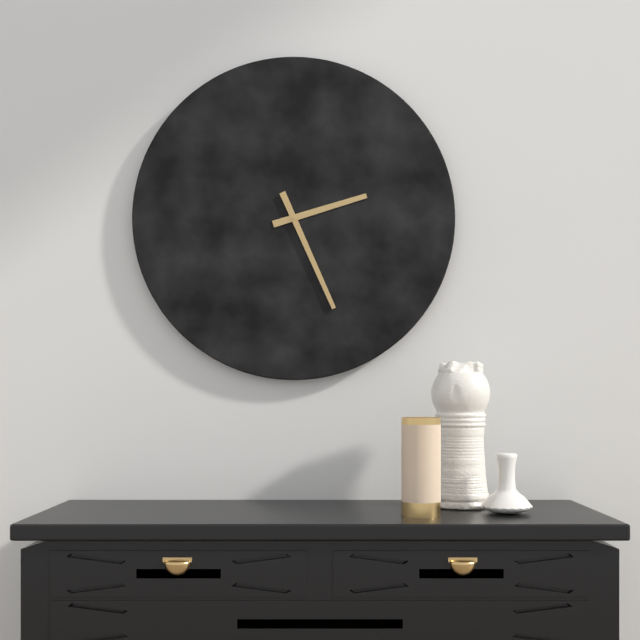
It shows 2,26
